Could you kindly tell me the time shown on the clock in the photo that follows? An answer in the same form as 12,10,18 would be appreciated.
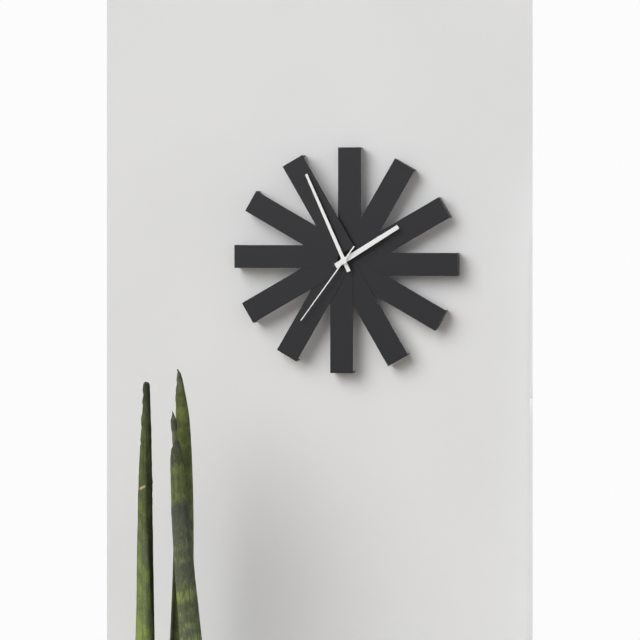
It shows 1,56,36
